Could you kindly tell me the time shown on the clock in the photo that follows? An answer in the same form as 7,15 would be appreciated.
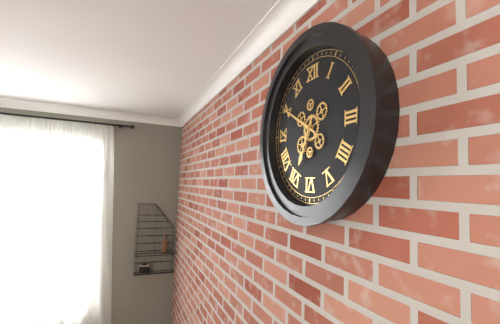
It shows 6,50
